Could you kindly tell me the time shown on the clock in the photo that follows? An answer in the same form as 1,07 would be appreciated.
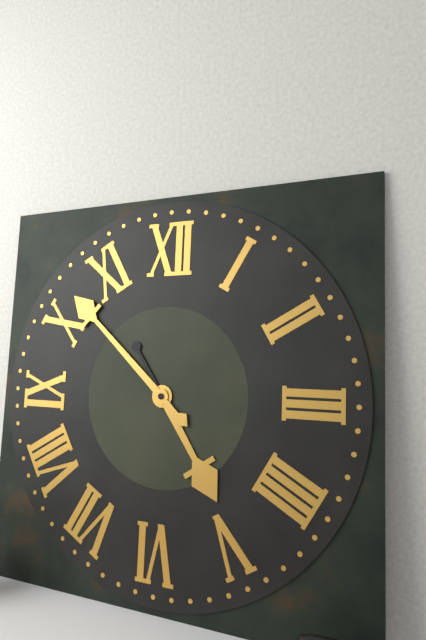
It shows 4,52
